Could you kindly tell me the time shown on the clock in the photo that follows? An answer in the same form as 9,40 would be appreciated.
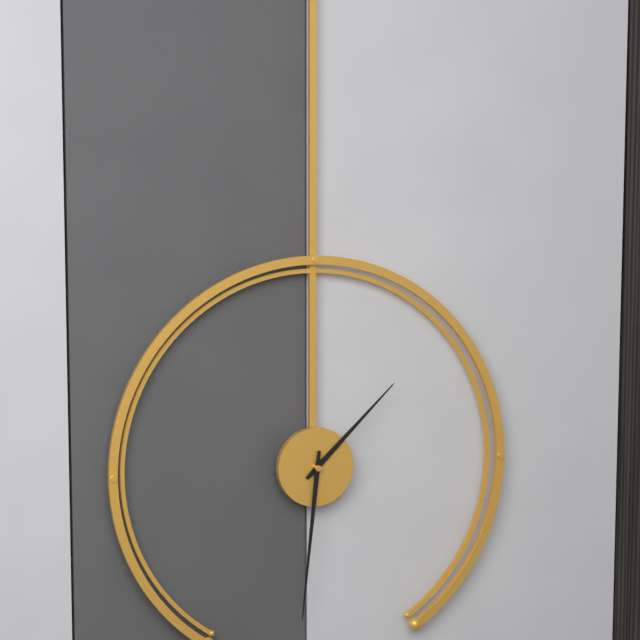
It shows 1,31
